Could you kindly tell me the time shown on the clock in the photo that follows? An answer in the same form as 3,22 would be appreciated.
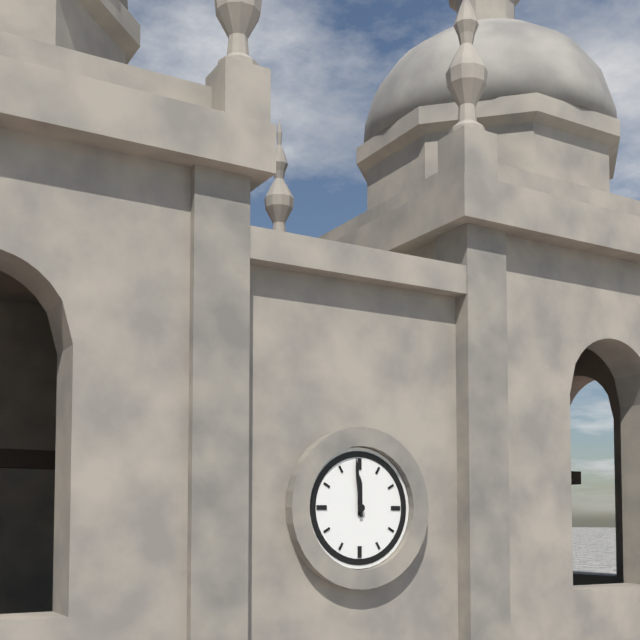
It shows 11,59
